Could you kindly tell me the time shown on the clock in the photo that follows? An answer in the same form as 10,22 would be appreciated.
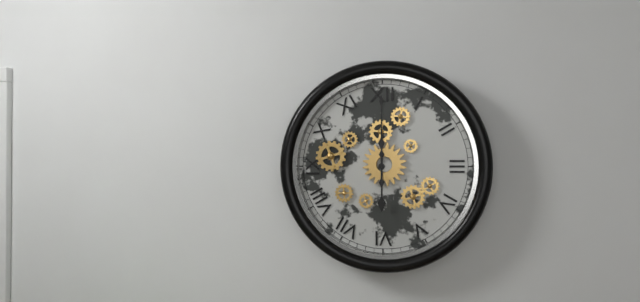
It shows 6,00
